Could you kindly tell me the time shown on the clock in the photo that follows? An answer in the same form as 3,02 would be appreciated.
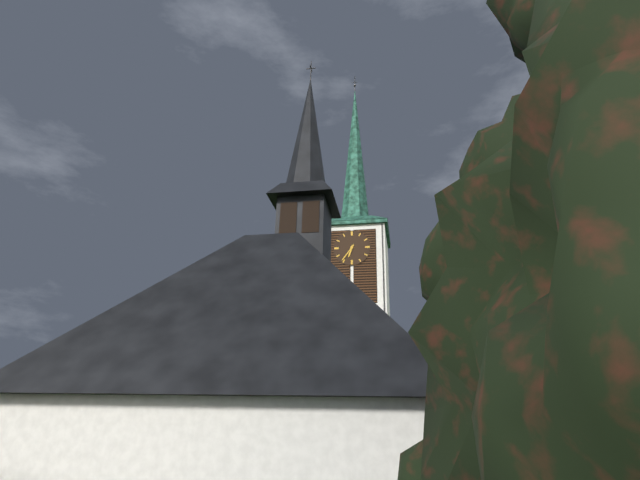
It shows 6,36
